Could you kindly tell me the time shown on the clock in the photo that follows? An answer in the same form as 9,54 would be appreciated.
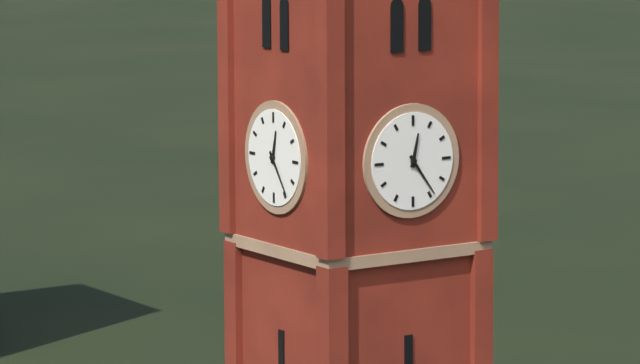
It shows 12,24
